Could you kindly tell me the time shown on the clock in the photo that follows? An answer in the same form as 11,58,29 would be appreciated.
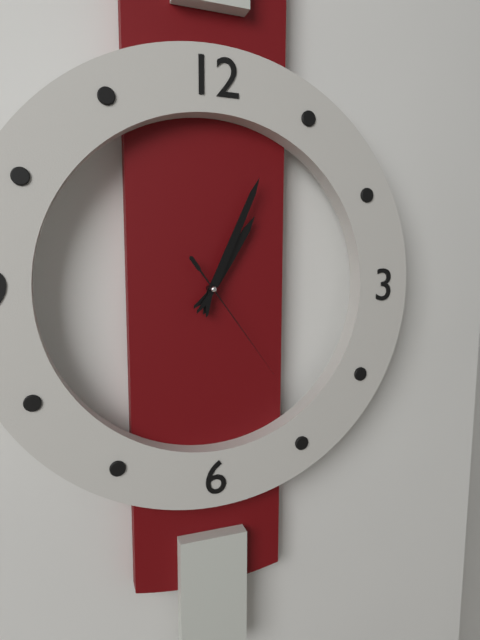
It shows 1,04,24
